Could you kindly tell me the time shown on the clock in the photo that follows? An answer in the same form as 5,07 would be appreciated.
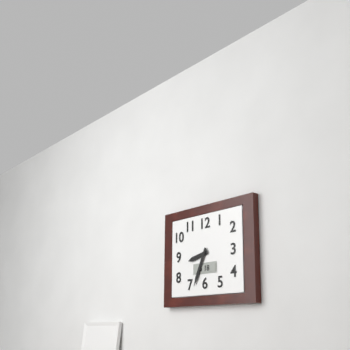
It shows 8,34
